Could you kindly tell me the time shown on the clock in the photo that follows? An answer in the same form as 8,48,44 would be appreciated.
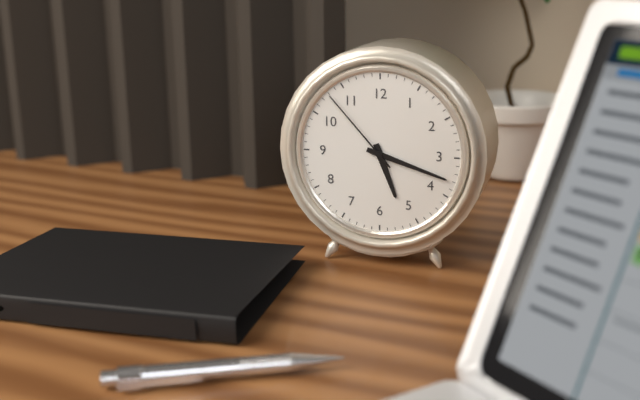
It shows 5,18,53
